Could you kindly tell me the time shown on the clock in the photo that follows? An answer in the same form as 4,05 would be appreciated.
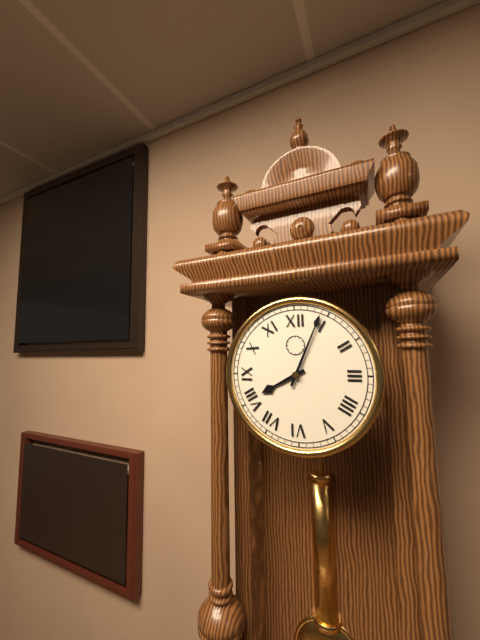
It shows 8,04
